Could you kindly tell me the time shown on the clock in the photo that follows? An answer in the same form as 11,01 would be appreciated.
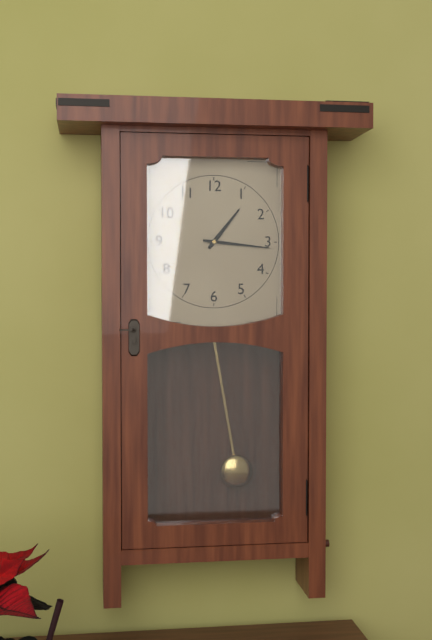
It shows 1,16
